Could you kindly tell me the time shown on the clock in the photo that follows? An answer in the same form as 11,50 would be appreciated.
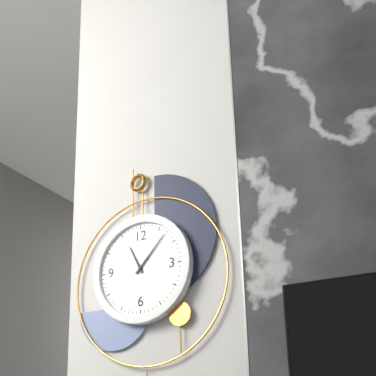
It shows 11,07
